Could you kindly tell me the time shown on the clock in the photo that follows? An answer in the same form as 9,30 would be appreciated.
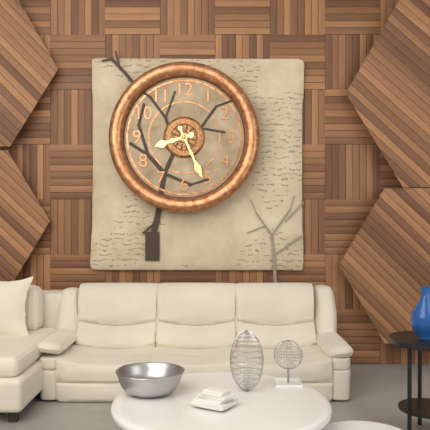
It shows 8,26
